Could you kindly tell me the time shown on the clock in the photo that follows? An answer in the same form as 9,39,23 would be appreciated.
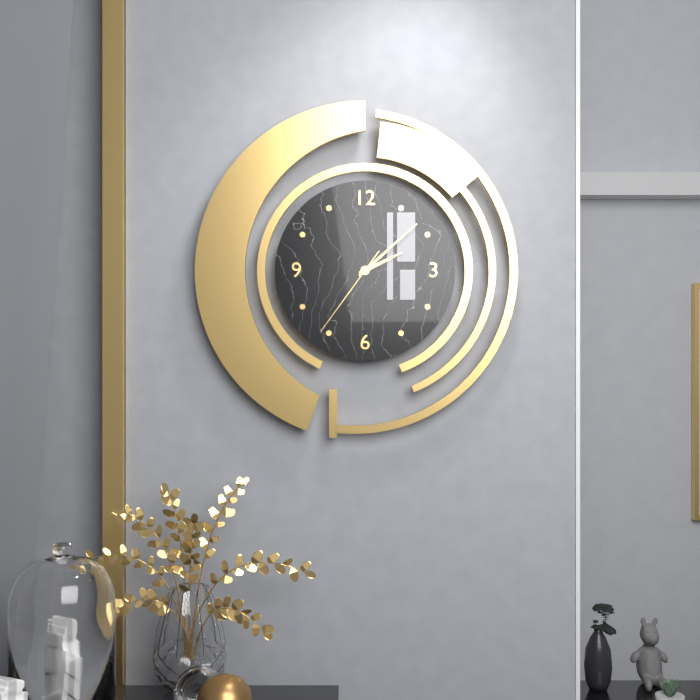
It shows 2,08,36
